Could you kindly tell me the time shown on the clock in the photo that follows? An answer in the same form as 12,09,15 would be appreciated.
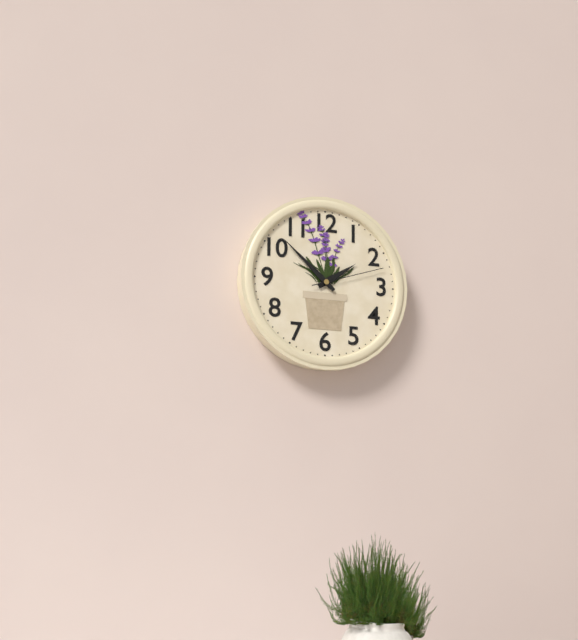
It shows 1,52,12
